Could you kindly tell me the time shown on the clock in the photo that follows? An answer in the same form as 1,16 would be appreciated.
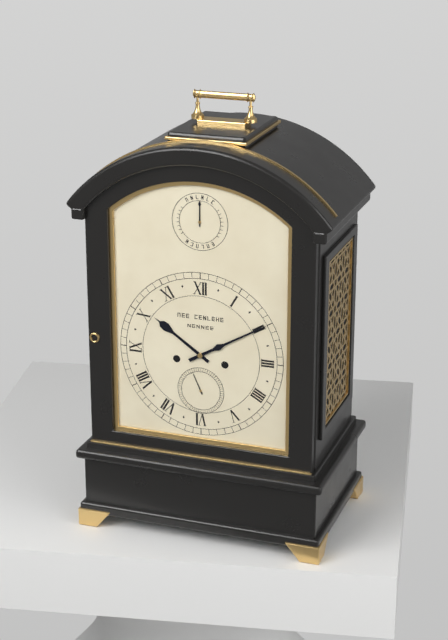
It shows 10,10
